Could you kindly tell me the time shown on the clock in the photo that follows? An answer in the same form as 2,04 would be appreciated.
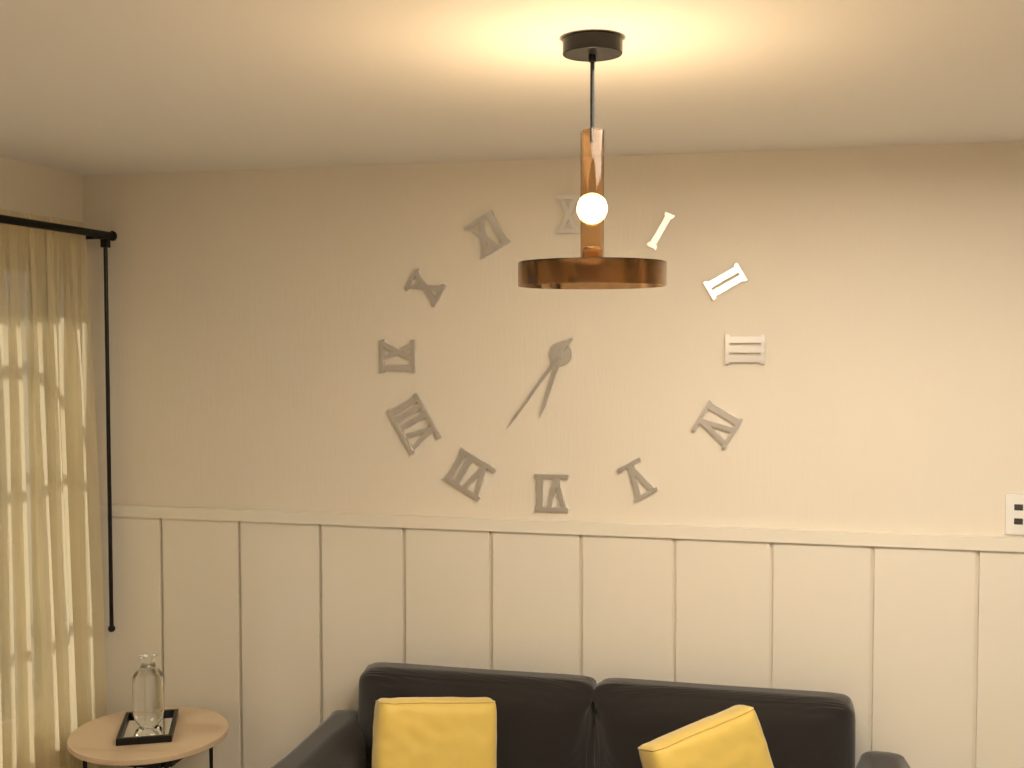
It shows 6,36
